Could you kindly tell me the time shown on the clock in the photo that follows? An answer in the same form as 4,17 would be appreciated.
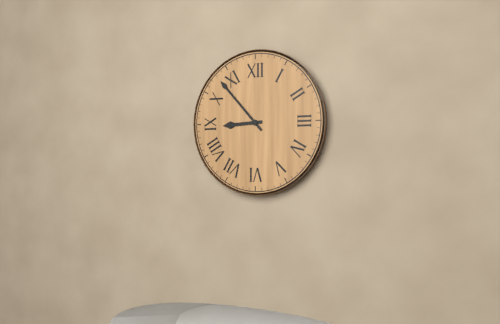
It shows 8,53
